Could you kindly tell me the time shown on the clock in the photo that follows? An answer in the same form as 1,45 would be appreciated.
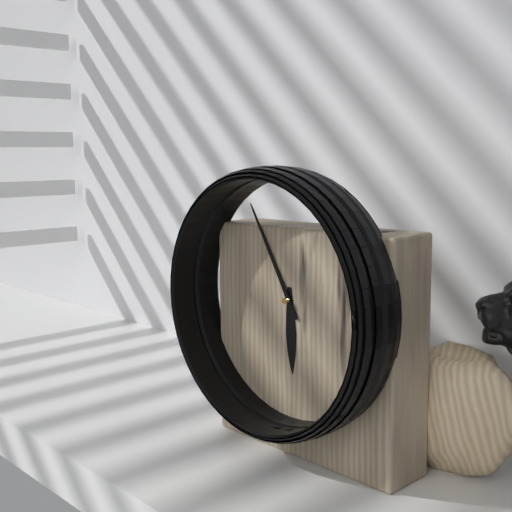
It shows 5,55
